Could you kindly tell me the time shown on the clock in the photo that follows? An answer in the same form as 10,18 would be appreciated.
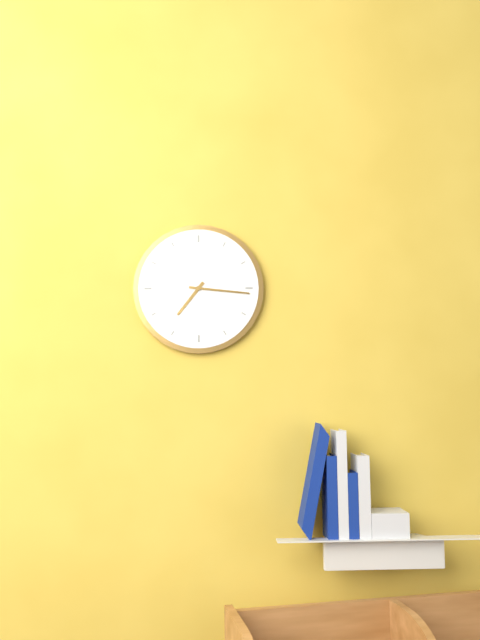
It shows 7,16
